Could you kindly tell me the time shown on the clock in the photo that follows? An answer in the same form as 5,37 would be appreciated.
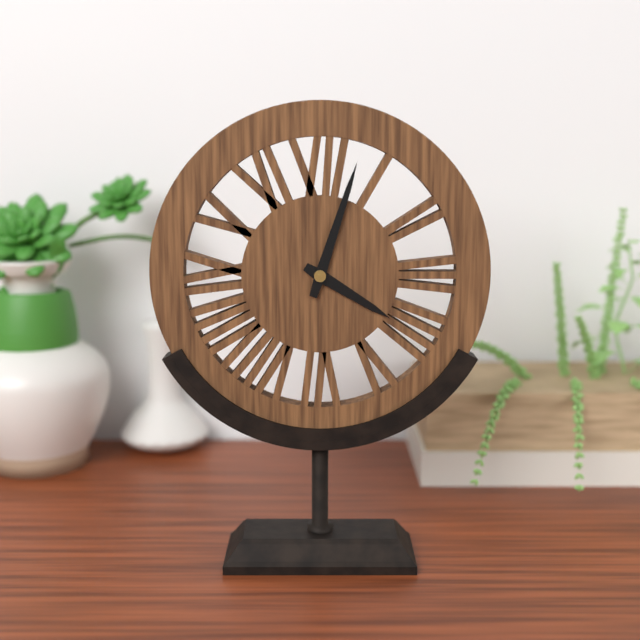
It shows 4,03
